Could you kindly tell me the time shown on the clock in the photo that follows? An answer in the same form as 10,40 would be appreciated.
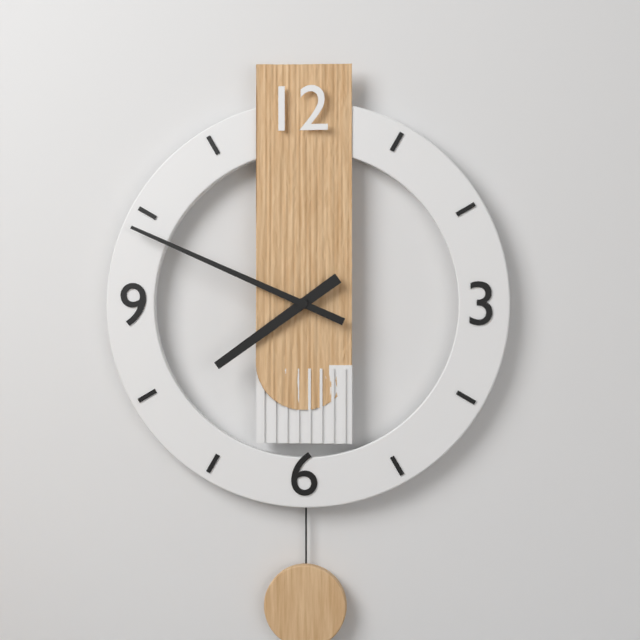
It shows 7,49
